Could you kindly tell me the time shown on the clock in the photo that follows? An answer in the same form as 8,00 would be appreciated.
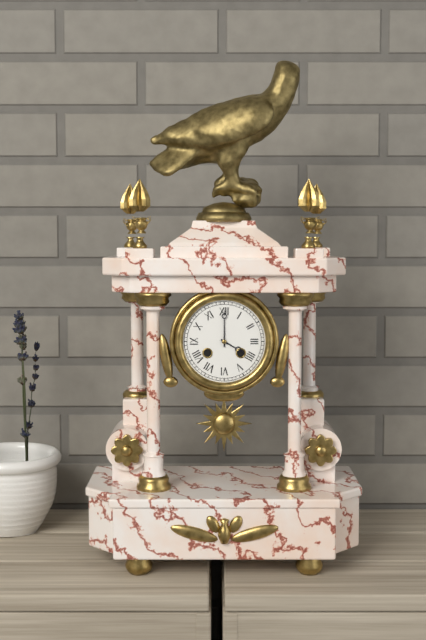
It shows 4,00
